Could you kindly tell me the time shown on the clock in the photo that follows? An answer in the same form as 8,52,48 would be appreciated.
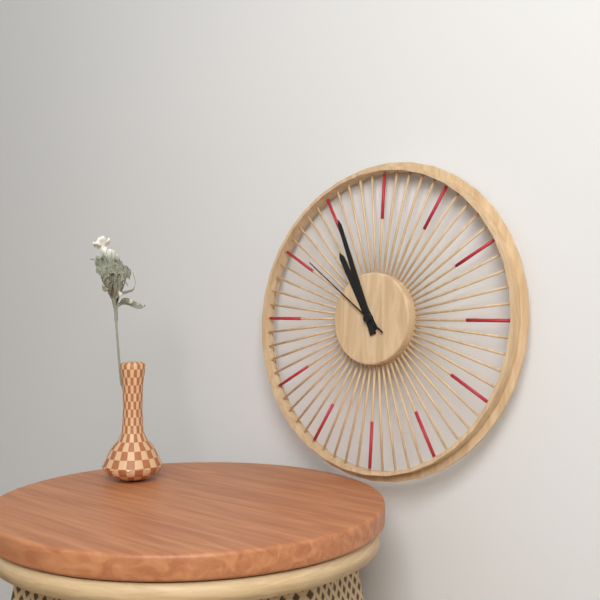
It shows 10,56,51
